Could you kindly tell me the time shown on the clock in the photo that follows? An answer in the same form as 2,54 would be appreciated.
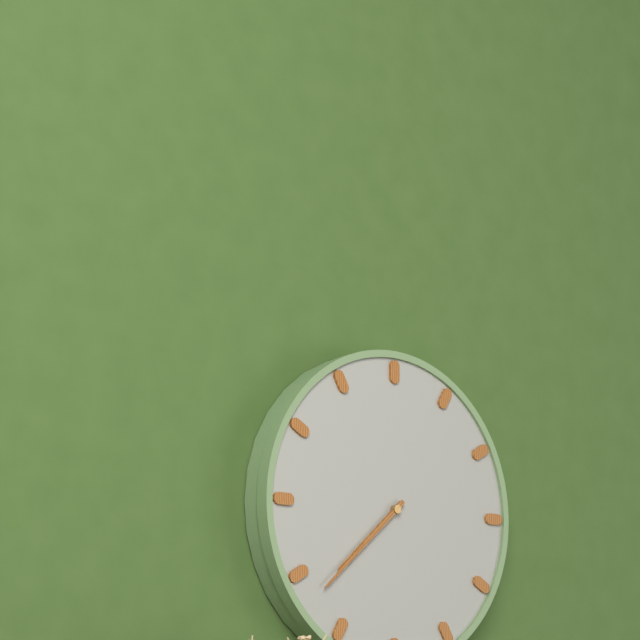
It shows 7,38
